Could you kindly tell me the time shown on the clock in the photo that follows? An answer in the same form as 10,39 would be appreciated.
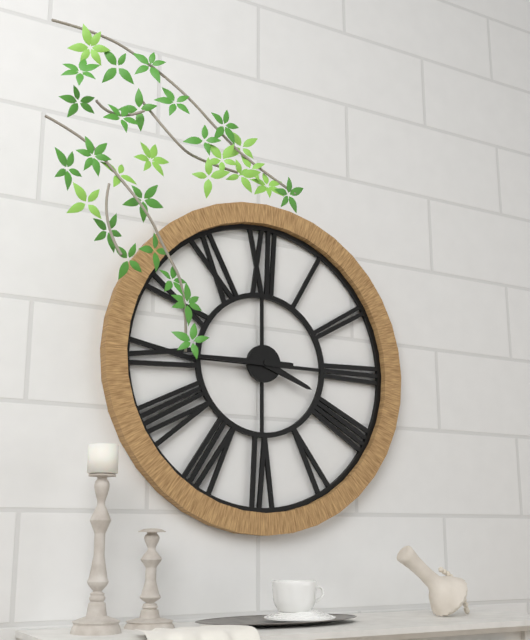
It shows 3,45
